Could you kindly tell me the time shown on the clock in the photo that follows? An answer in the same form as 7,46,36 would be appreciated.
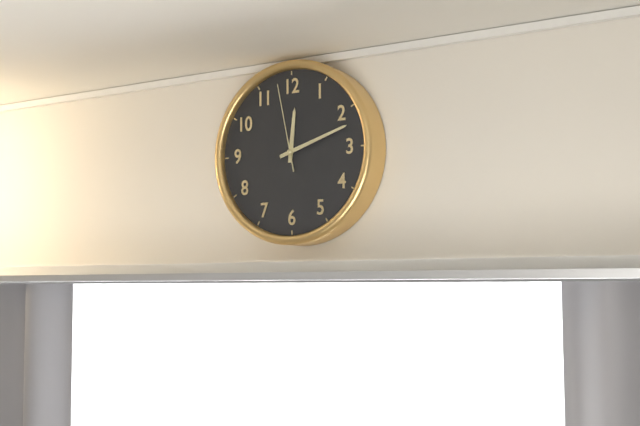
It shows 12,12,58
